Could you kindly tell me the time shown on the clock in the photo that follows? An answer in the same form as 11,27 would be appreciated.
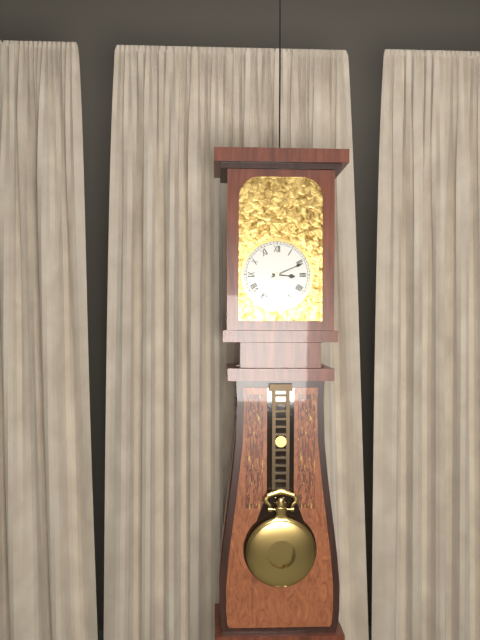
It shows 3,11
